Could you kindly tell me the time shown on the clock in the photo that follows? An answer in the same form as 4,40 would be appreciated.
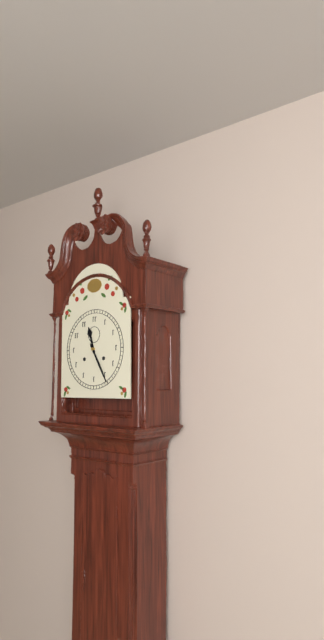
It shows 11,25
